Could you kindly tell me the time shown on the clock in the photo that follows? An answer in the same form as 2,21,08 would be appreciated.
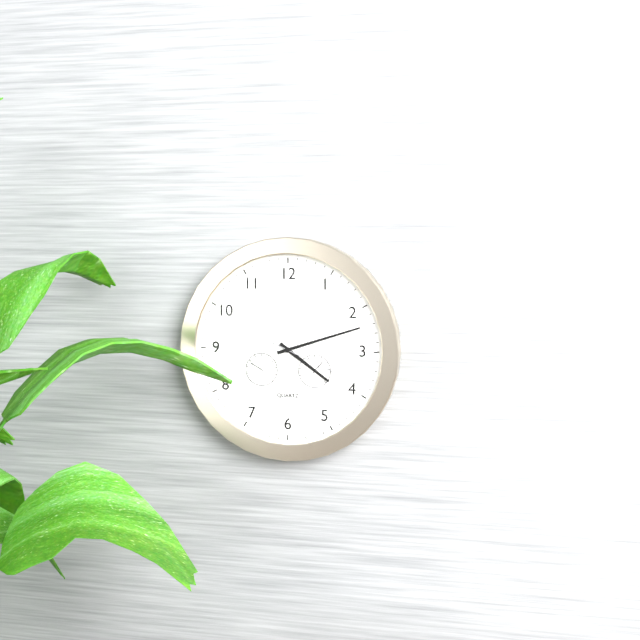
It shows 4,12,19
